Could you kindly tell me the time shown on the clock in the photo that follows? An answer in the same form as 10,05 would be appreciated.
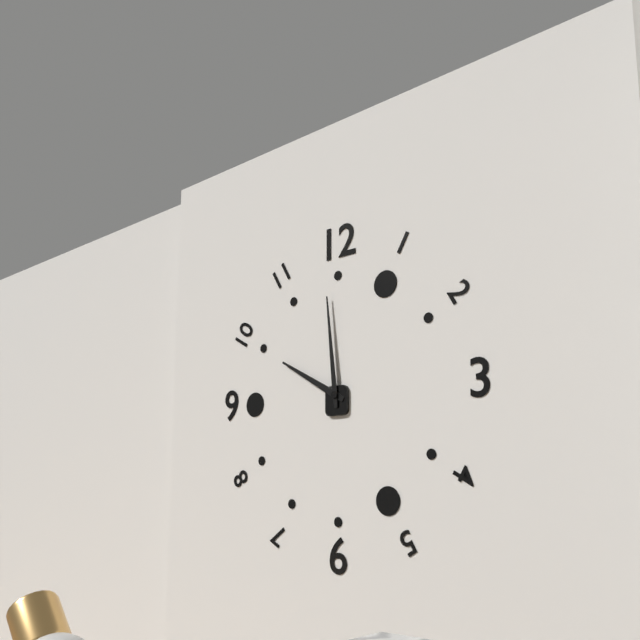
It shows 9,59
